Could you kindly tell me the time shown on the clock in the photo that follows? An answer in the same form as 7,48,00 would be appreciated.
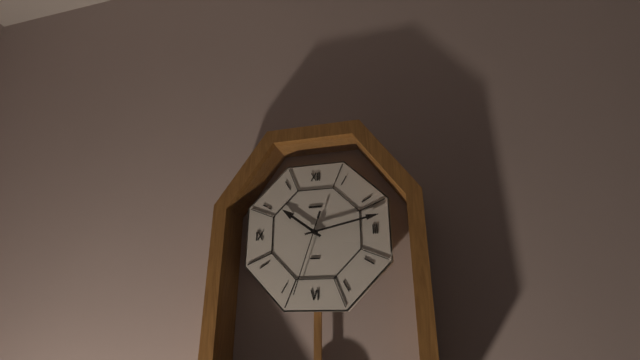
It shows 10,13,33
